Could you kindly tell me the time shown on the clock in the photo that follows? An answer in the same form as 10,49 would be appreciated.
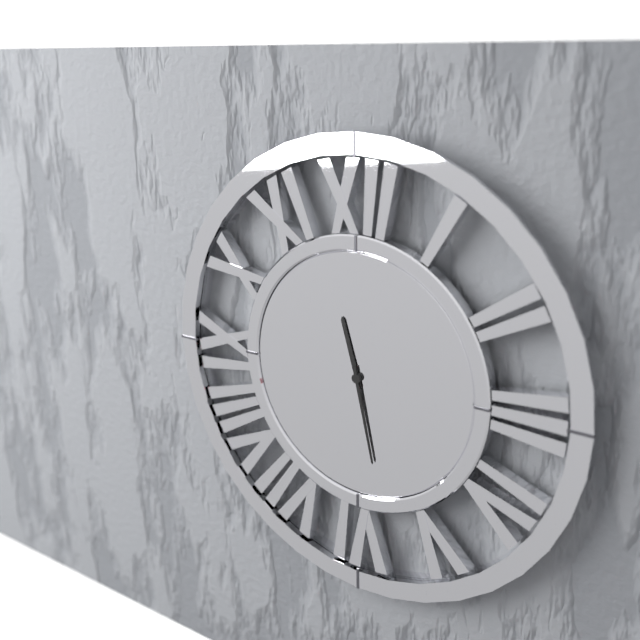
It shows 11,28
